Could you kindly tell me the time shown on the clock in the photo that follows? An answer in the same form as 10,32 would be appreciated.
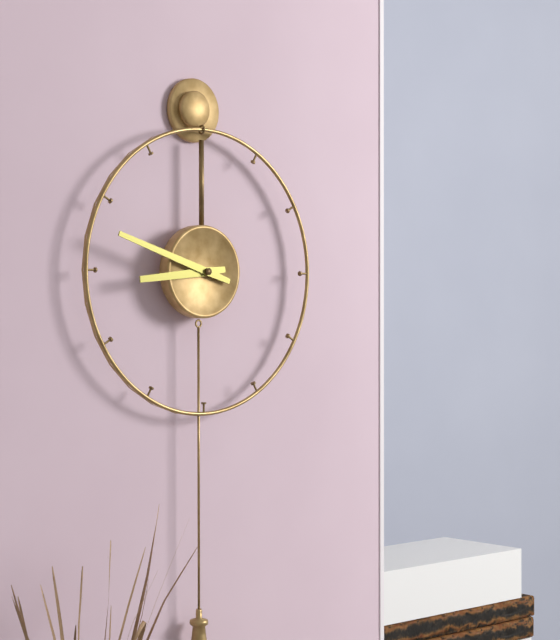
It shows 8,48
